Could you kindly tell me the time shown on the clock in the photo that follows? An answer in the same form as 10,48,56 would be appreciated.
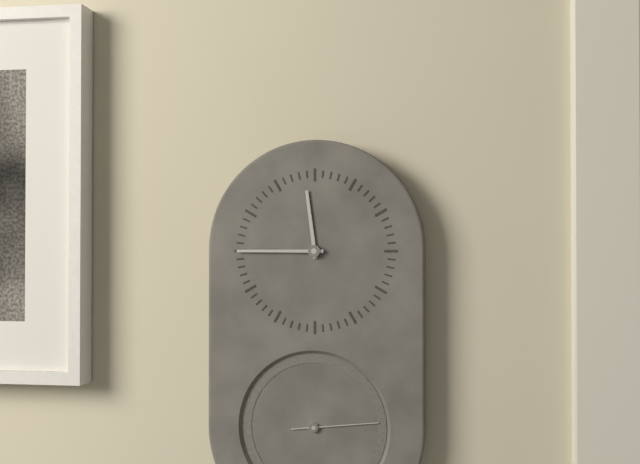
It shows 11,45,14
